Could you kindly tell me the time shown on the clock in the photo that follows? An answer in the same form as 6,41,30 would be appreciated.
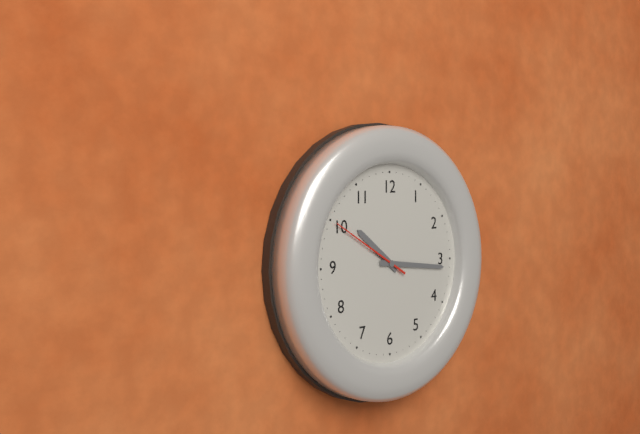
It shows 10,16,50
